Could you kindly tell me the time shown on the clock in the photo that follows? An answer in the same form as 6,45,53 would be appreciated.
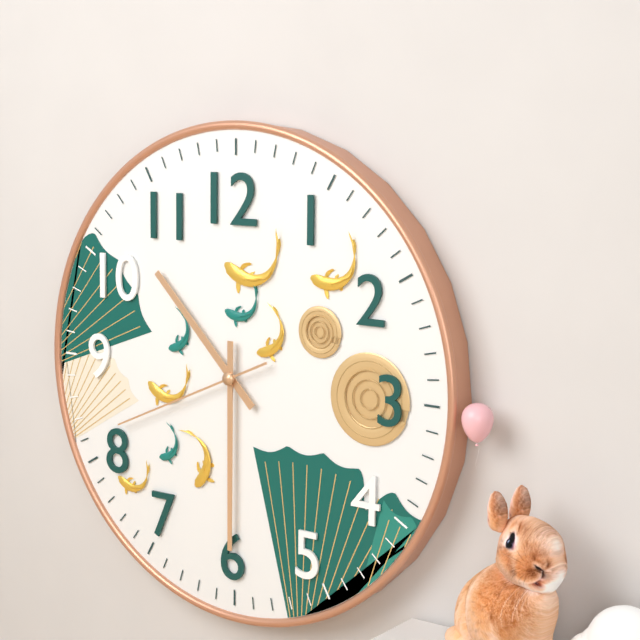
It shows 10,30,41
